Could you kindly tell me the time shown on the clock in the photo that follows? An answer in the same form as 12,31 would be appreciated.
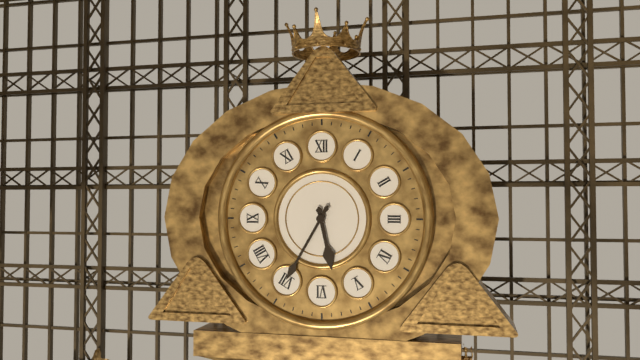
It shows 5,35
